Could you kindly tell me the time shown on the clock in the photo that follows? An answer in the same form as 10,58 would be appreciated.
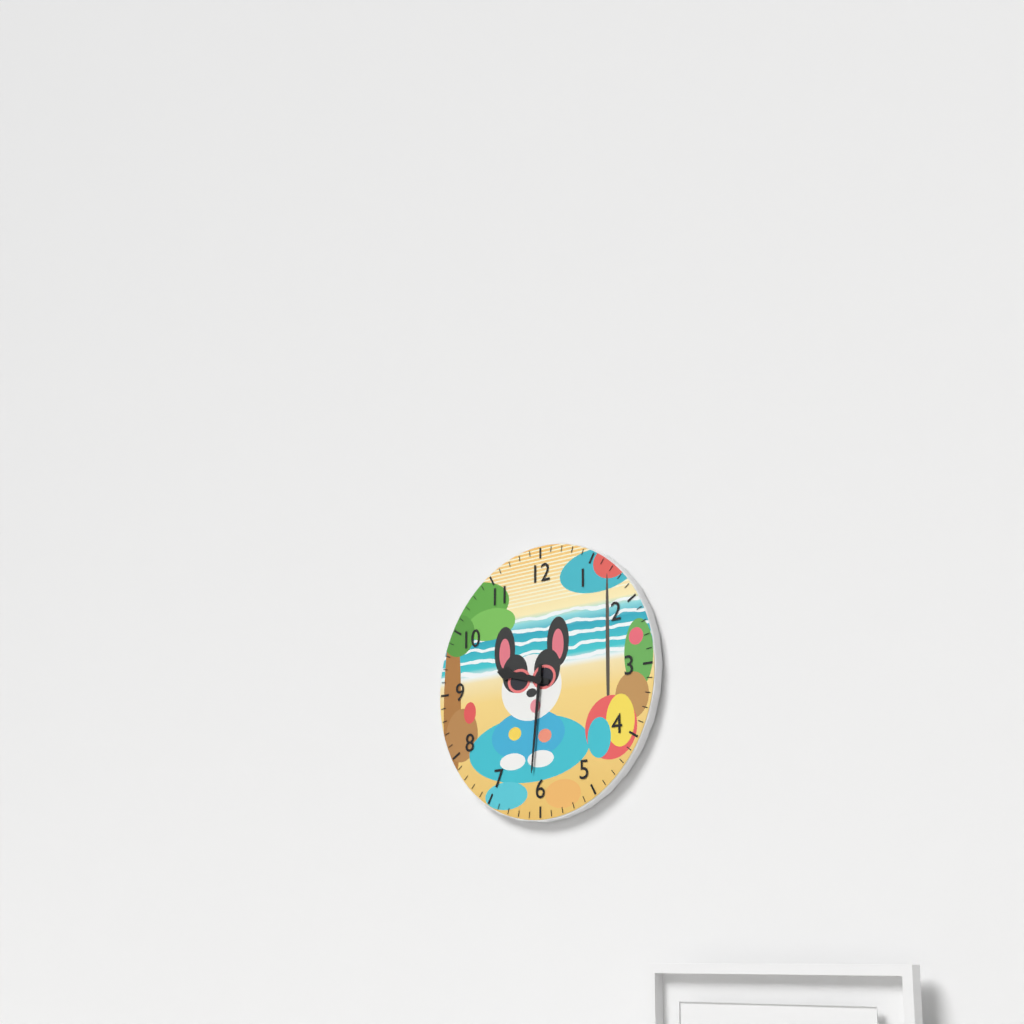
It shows 9,31
